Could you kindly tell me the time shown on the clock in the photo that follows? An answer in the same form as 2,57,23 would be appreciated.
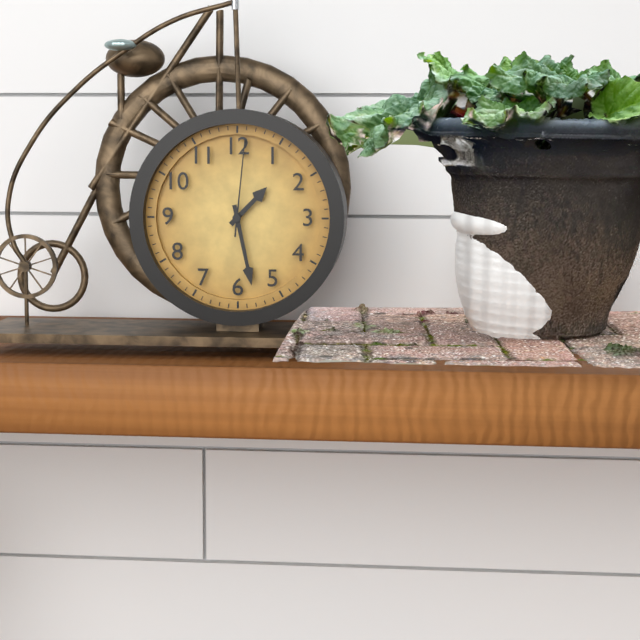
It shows 1,28,01
